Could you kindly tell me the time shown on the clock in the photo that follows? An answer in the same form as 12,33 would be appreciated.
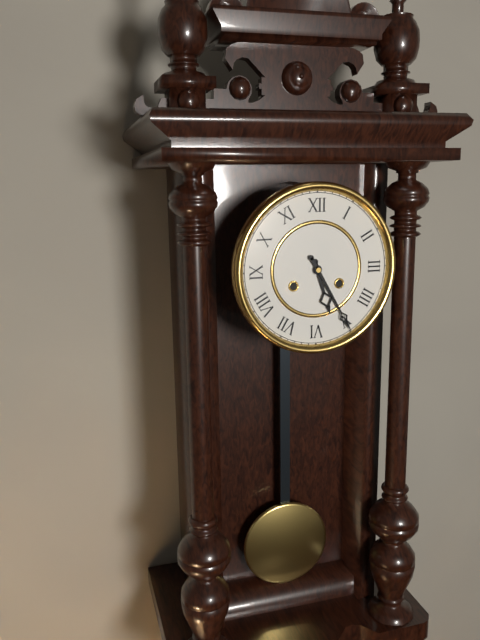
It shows 5,25
